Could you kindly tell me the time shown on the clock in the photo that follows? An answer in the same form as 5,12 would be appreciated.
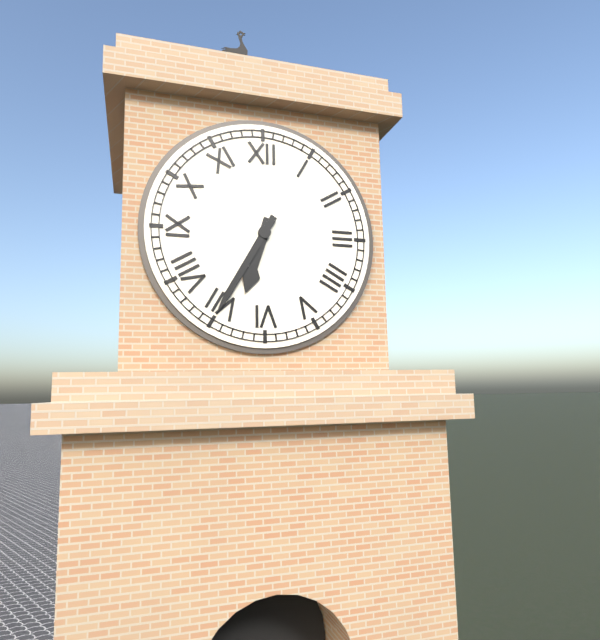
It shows 6,35
